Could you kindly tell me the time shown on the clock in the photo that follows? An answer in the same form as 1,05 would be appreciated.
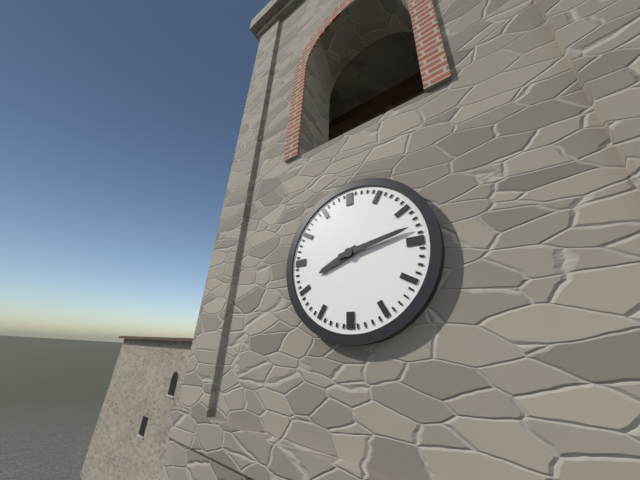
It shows 8,13
